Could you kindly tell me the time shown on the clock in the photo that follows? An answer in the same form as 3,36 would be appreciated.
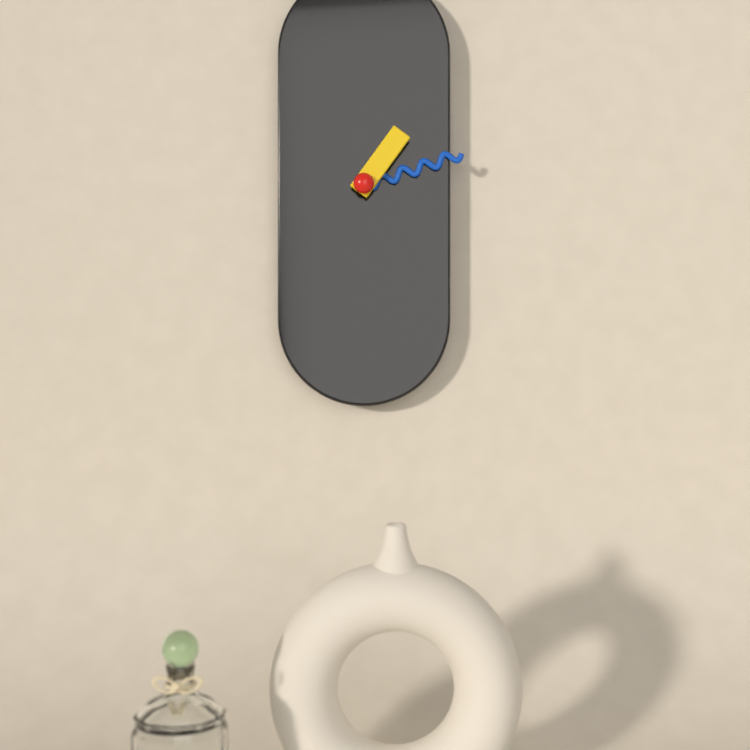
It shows 1,12
